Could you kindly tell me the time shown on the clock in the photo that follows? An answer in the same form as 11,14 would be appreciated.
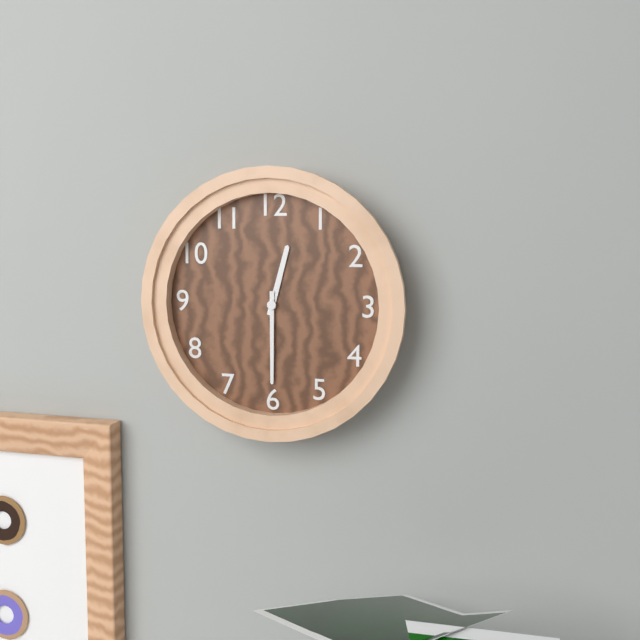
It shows 12,30
